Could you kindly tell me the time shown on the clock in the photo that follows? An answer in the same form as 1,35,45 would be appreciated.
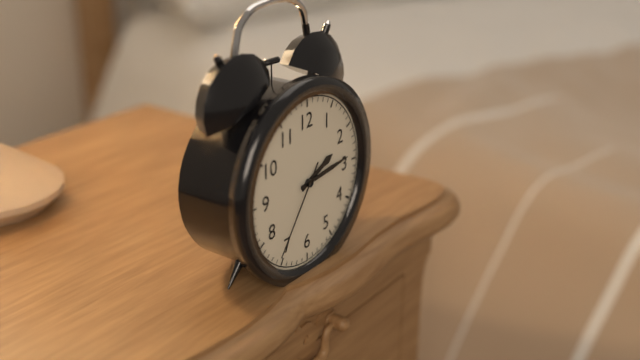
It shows 2,14,36
